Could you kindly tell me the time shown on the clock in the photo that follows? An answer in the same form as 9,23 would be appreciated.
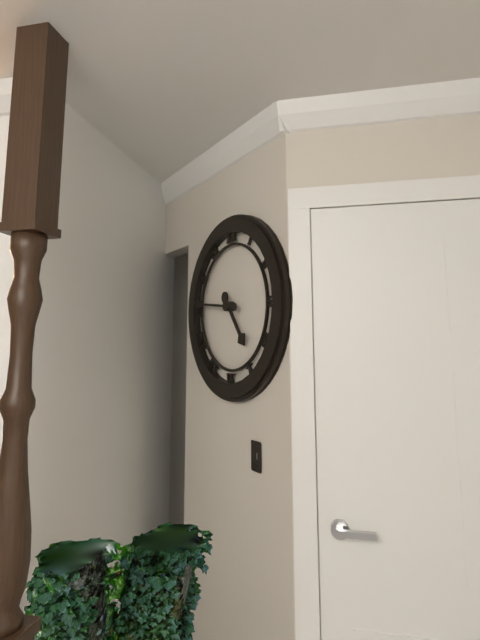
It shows 4,46
